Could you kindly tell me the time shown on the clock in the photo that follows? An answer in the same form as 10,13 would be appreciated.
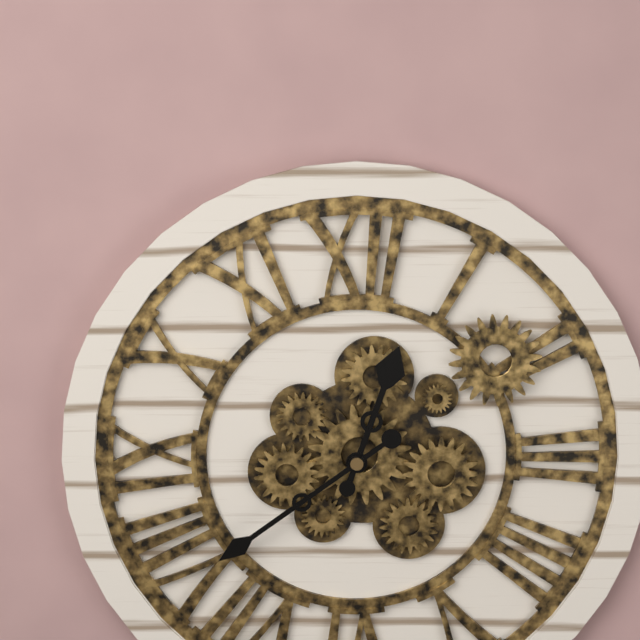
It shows 12,39
